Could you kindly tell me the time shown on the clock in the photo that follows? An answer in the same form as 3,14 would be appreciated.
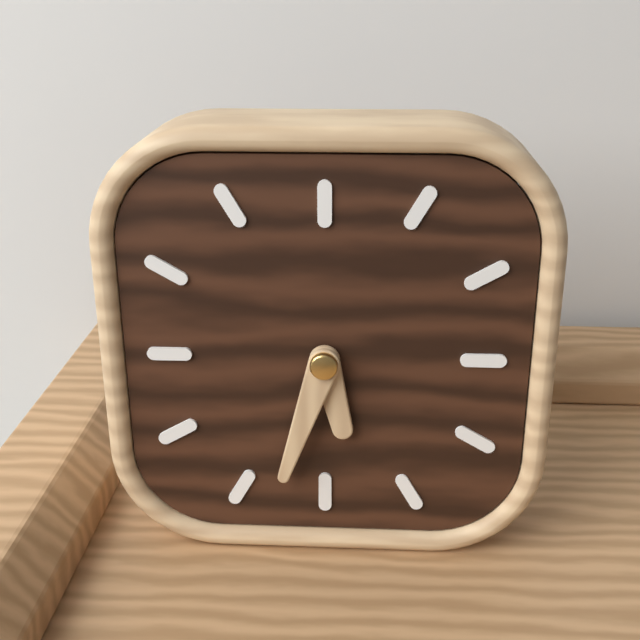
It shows 5,33
